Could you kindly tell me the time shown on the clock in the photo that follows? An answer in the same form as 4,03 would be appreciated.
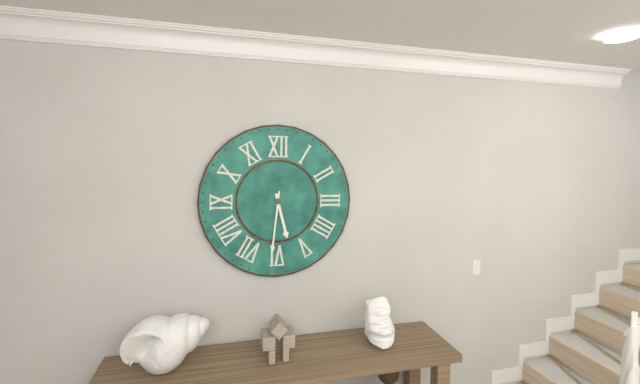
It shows 5,31
